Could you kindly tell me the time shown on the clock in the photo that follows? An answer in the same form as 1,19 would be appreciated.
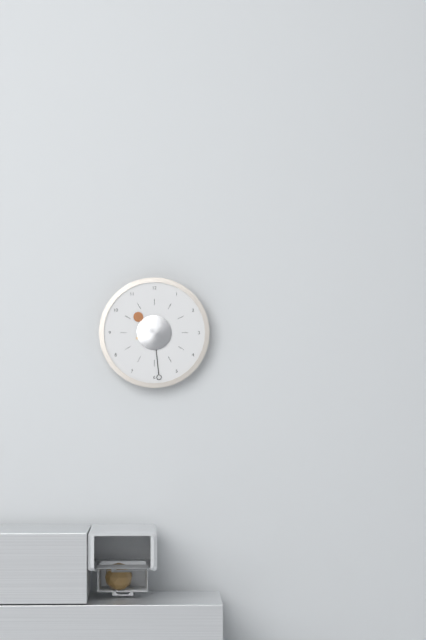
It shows 10,29
